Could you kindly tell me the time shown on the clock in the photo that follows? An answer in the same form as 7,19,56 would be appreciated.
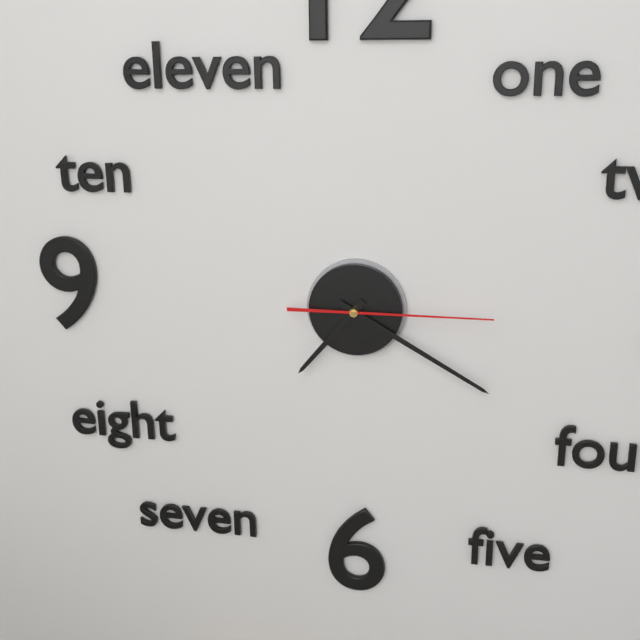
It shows 7,20,15
